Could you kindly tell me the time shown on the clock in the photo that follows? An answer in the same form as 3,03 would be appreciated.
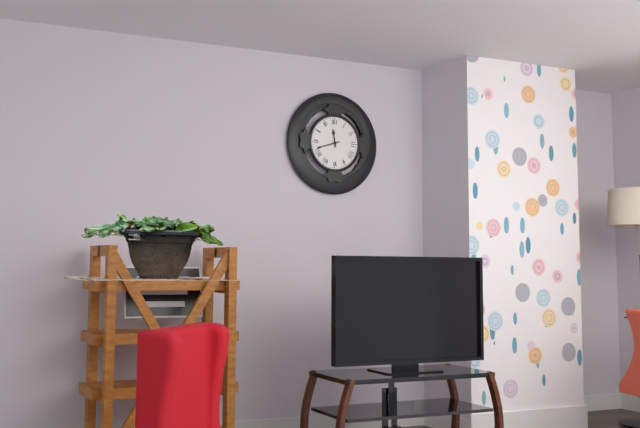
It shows 11,42
